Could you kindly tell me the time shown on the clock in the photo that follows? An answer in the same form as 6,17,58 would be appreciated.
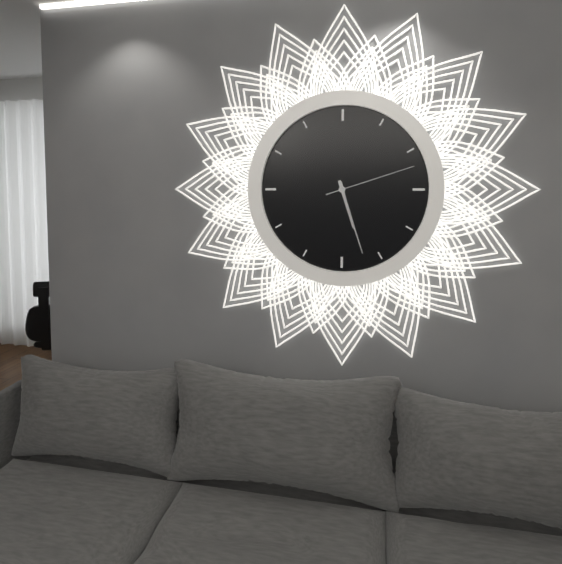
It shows 5,27,12
